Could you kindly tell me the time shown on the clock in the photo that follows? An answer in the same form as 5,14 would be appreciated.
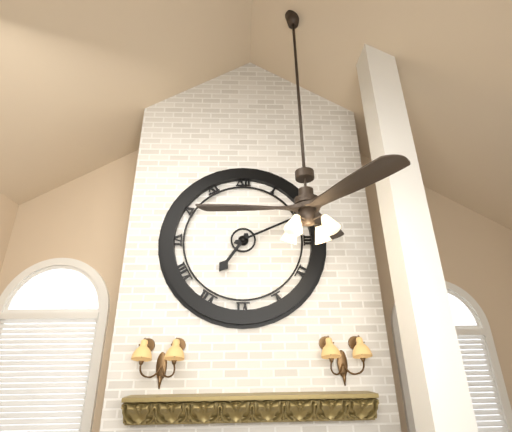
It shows 7,11
